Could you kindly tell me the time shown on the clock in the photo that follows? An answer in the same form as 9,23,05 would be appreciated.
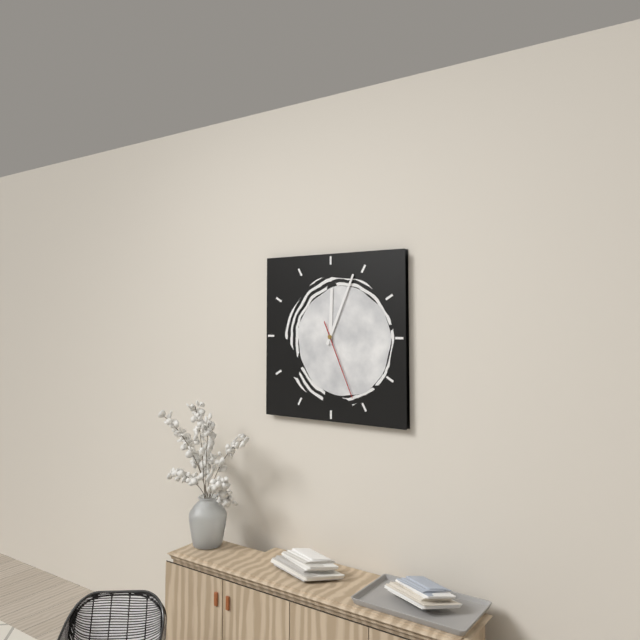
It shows 12,04,26
